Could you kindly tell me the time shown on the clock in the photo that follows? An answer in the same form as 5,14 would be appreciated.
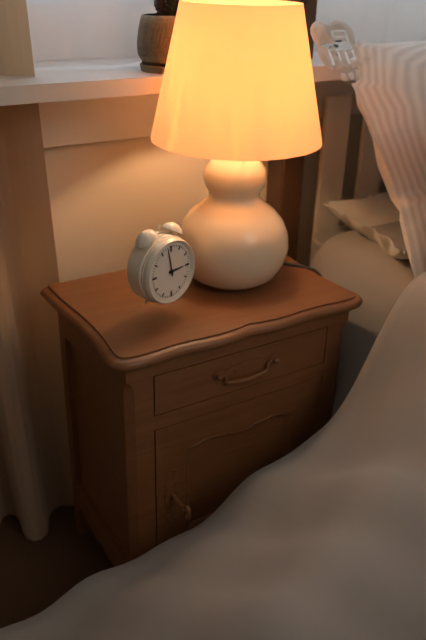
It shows 2,58
